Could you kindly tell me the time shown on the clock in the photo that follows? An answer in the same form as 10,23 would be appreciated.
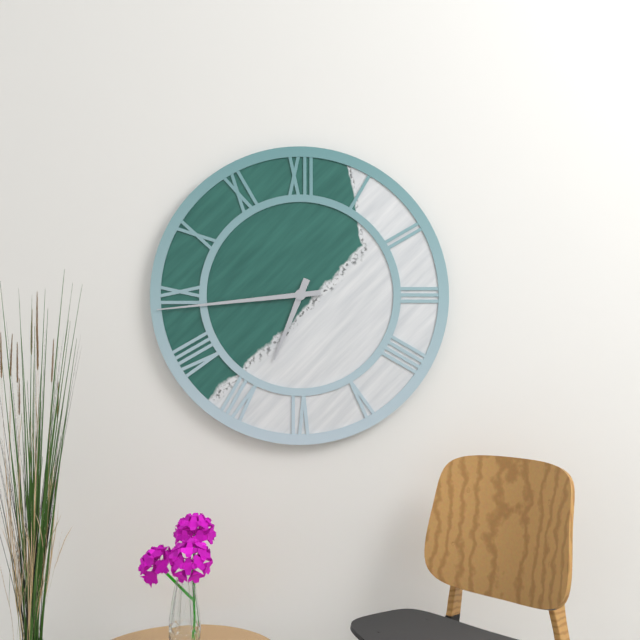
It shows 6,44
